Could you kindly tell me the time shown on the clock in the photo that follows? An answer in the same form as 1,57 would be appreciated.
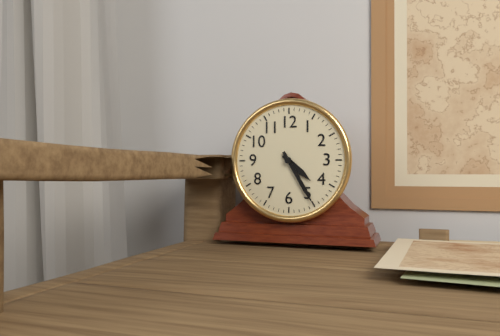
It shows 4,25
